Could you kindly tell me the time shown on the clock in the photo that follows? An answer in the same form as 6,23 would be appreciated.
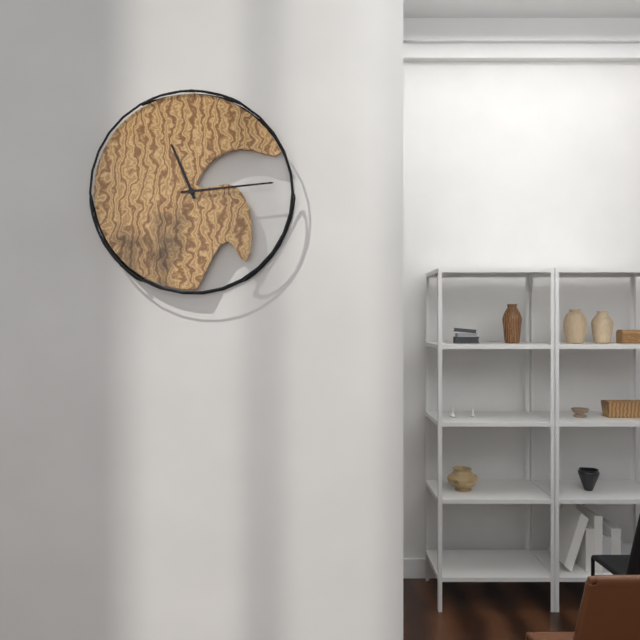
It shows 11,14
